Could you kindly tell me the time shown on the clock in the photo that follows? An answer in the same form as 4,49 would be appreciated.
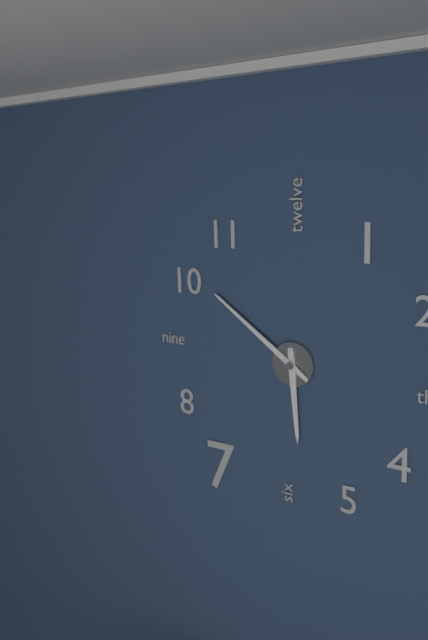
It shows 5,51
